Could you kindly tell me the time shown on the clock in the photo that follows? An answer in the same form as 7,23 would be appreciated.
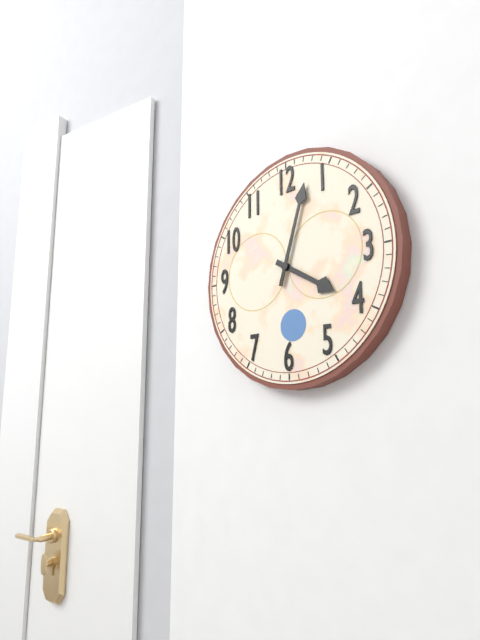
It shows 4,03
